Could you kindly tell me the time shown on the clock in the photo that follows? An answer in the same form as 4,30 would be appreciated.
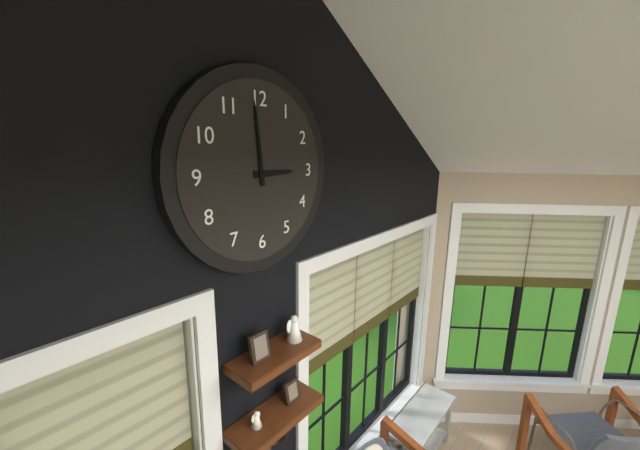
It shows 2,59
